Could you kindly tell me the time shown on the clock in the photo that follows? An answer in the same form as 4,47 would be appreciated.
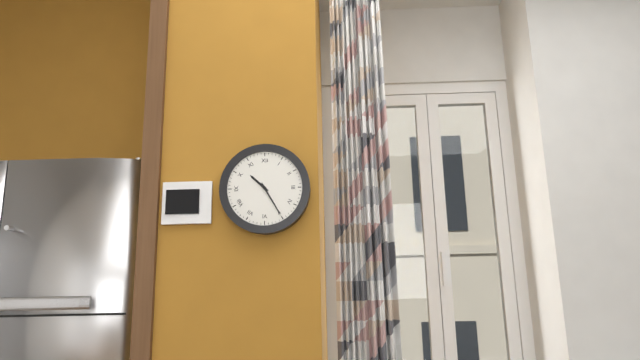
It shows 10,25
